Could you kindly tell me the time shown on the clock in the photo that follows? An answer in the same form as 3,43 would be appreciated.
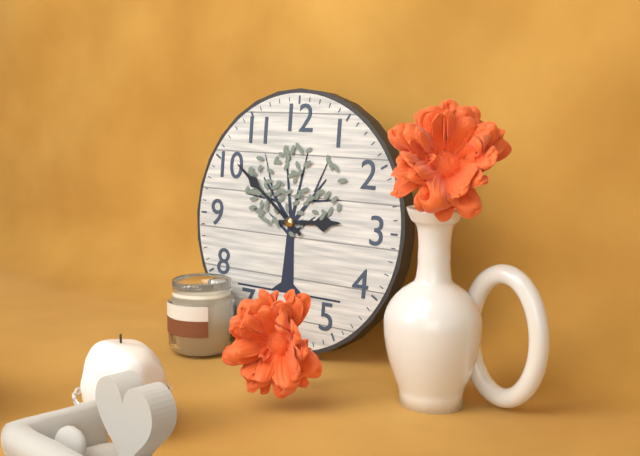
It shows 2,51
